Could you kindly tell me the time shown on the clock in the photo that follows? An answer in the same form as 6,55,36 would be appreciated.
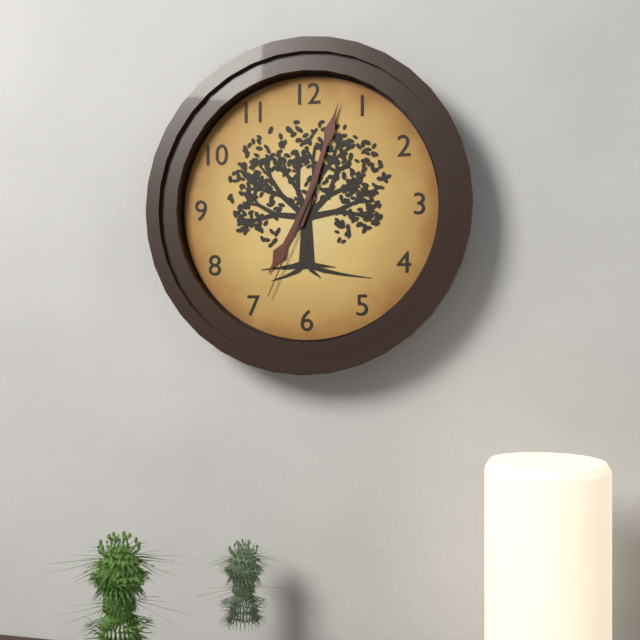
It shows 7,03,34
